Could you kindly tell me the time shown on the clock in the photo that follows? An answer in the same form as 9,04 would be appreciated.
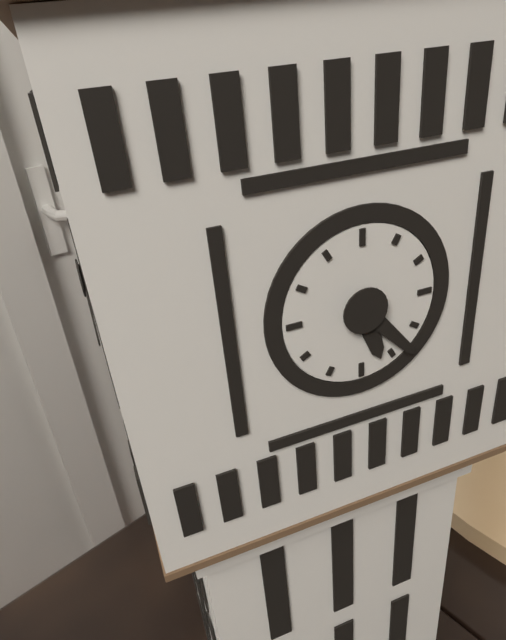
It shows 5,23
